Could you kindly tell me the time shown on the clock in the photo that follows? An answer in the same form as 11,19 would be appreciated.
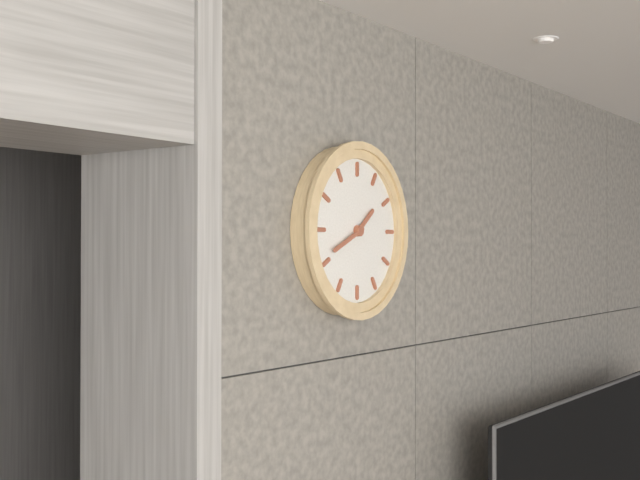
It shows 1,41
